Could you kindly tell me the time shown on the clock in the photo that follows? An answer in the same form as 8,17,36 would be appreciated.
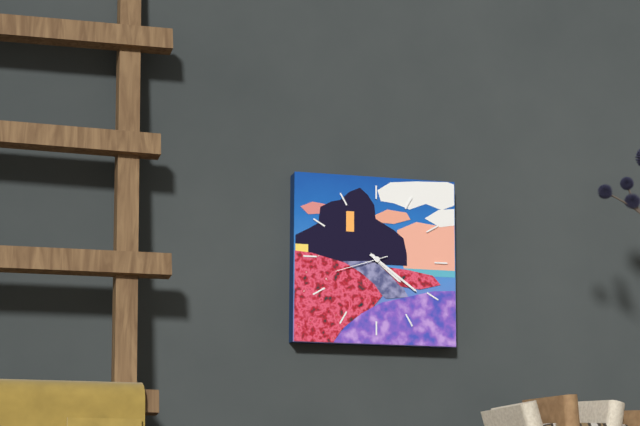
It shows 4,21,42
